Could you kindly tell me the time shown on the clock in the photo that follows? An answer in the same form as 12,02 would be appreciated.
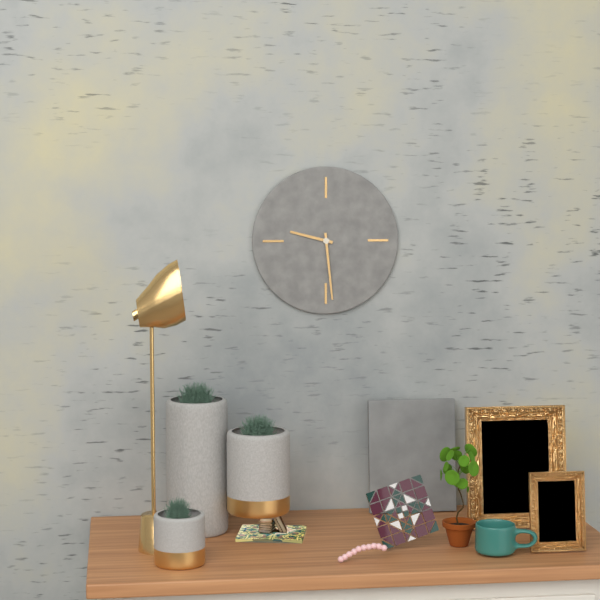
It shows 9,29
